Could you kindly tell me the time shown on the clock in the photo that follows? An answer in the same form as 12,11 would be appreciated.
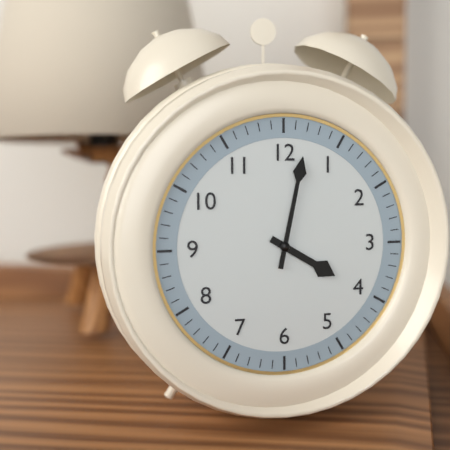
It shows 4,02
